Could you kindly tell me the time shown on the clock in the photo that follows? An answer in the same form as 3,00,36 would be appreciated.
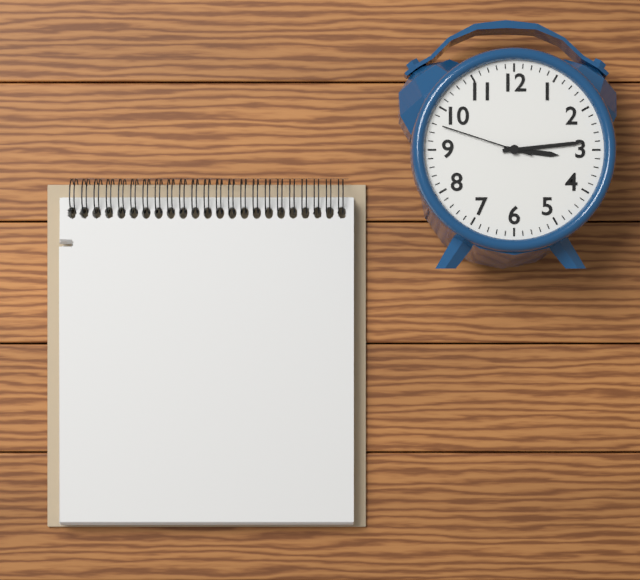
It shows 3,14,48
